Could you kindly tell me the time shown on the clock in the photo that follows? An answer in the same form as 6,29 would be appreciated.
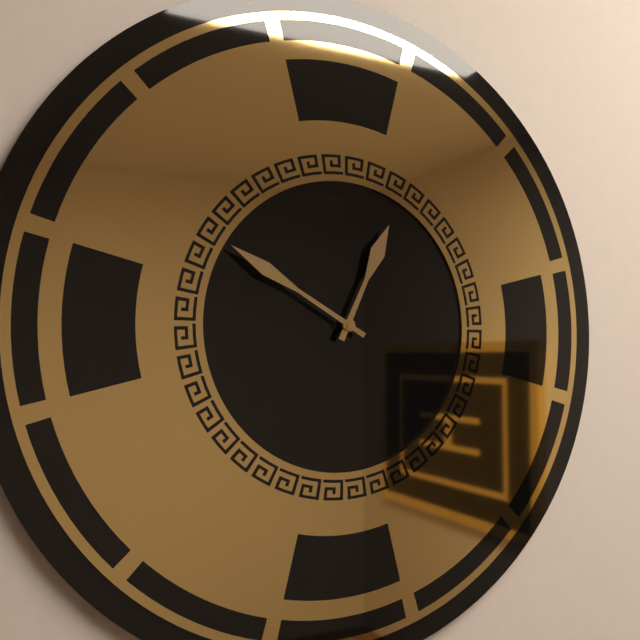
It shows 12,50
